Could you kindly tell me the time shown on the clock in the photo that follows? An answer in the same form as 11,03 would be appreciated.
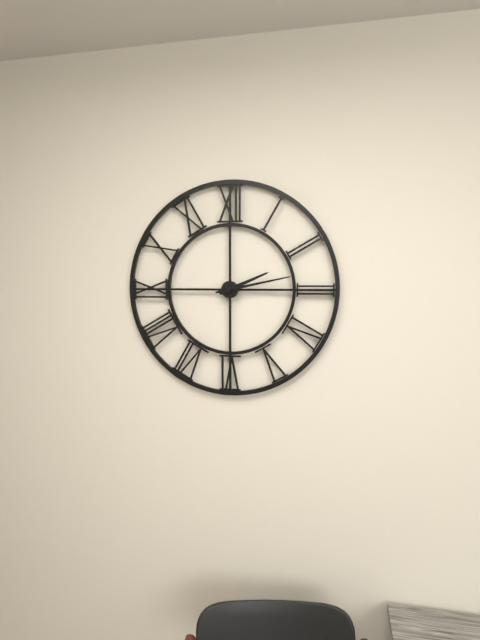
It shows 2,13
